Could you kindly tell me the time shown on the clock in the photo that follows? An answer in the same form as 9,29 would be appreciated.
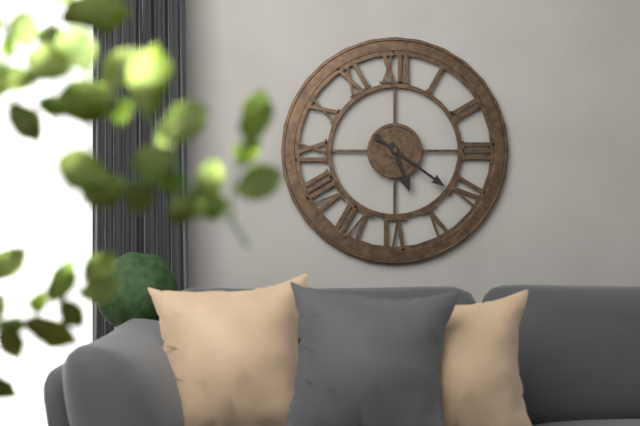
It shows 5,21
